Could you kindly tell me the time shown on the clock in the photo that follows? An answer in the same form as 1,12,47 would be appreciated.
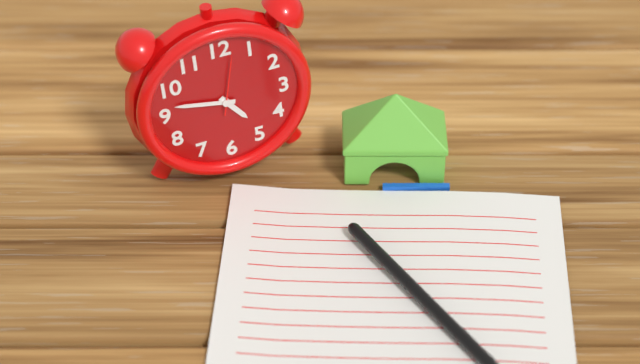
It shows 4,47,02
